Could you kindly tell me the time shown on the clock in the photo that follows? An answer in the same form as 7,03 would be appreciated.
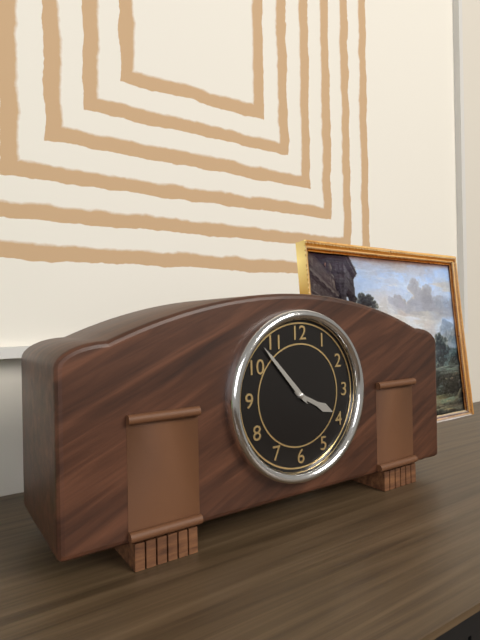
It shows 3,53
